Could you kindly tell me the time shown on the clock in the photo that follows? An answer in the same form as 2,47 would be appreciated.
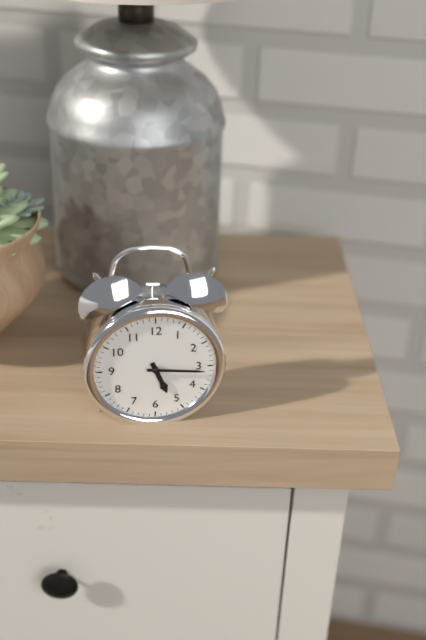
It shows 5,16
